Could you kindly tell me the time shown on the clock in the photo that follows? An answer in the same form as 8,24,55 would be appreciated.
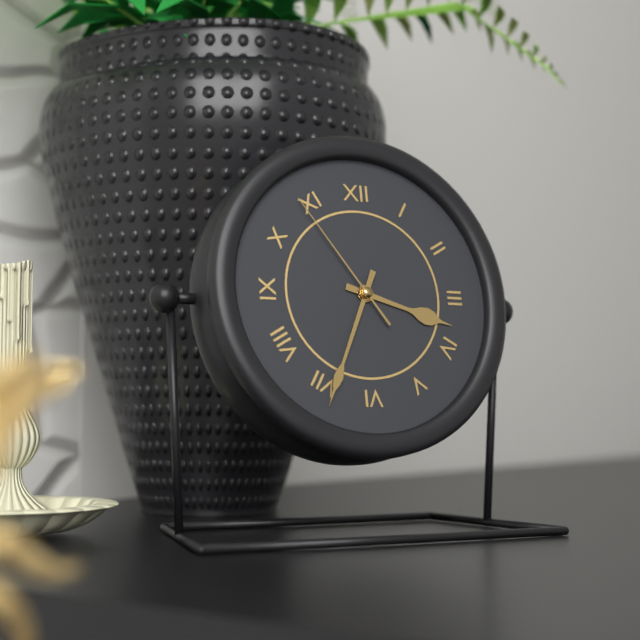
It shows 3,34,54
